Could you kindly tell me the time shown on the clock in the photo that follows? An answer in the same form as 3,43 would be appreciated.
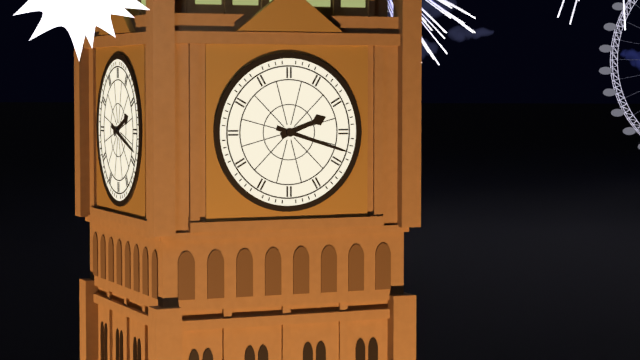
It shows 2,18
